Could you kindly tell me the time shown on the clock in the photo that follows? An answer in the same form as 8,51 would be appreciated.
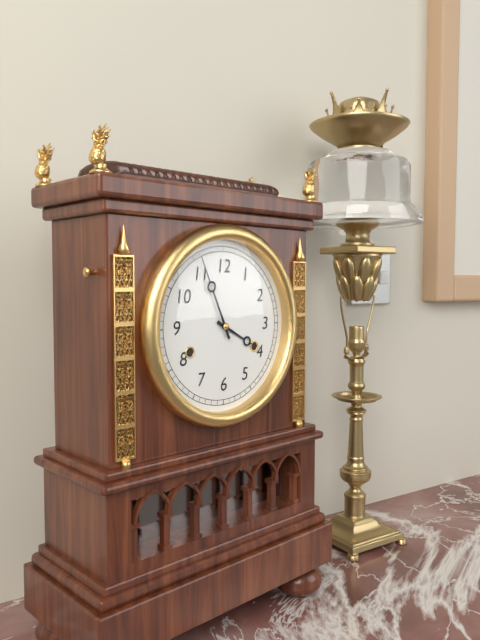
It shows 3,56
